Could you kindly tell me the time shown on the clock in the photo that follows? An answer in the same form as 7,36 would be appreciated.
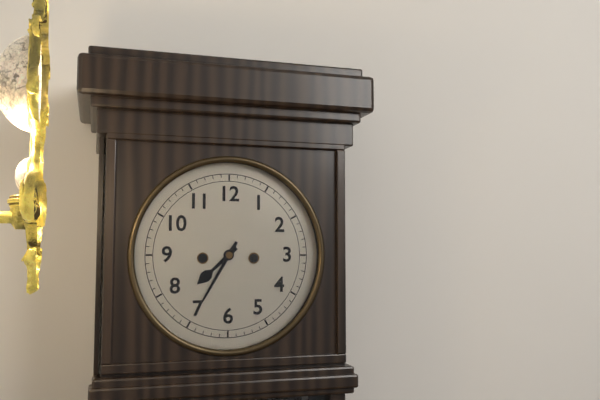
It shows 7,35
